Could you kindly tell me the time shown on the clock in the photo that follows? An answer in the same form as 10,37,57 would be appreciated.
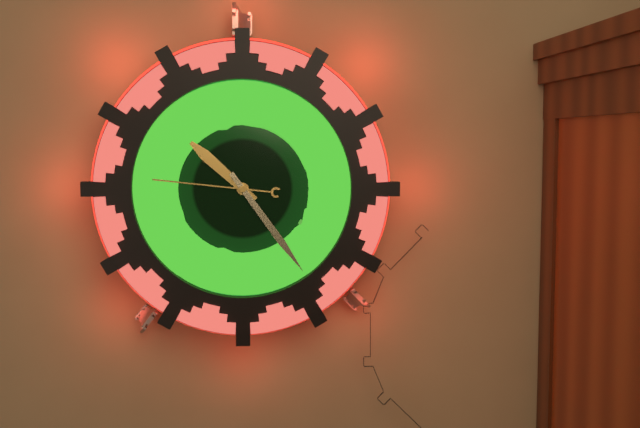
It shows 10,24,46
